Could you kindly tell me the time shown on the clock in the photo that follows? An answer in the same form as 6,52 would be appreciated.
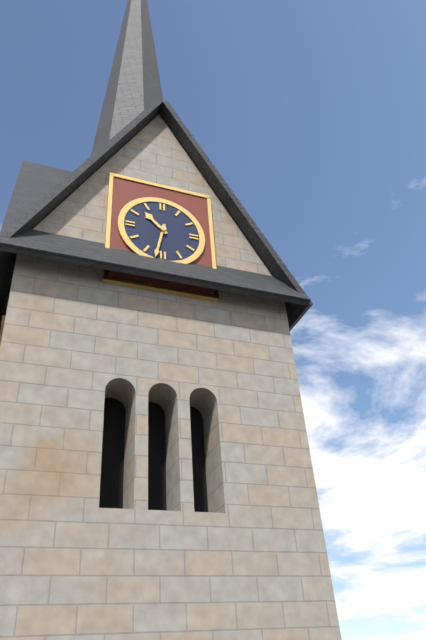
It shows 10,32
